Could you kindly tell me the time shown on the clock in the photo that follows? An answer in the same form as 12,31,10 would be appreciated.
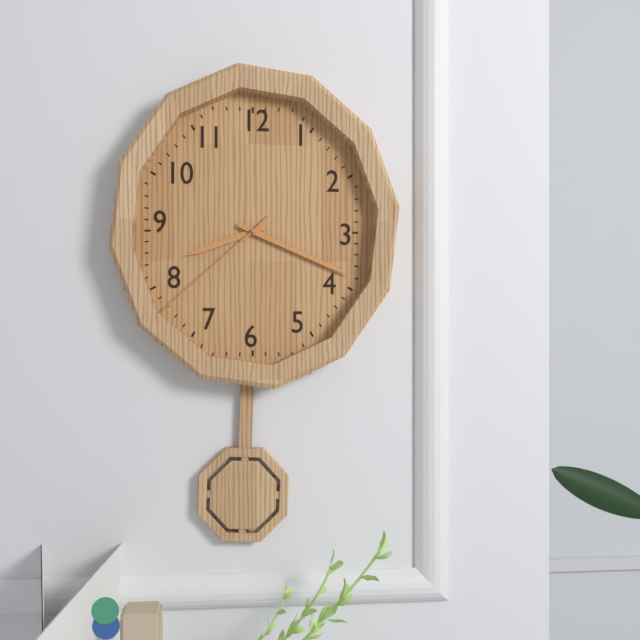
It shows 8,19,38
